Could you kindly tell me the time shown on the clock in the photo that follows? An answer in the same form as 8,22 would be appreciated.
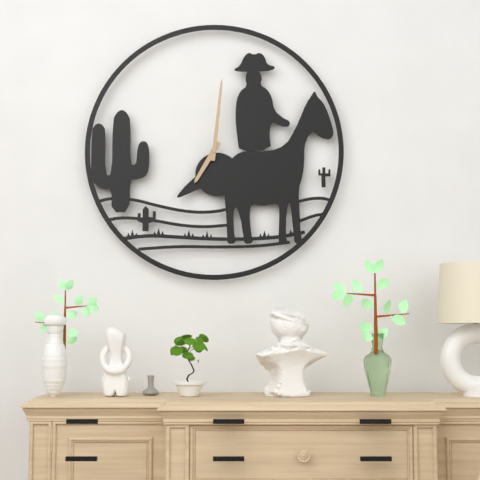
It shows 7,01
